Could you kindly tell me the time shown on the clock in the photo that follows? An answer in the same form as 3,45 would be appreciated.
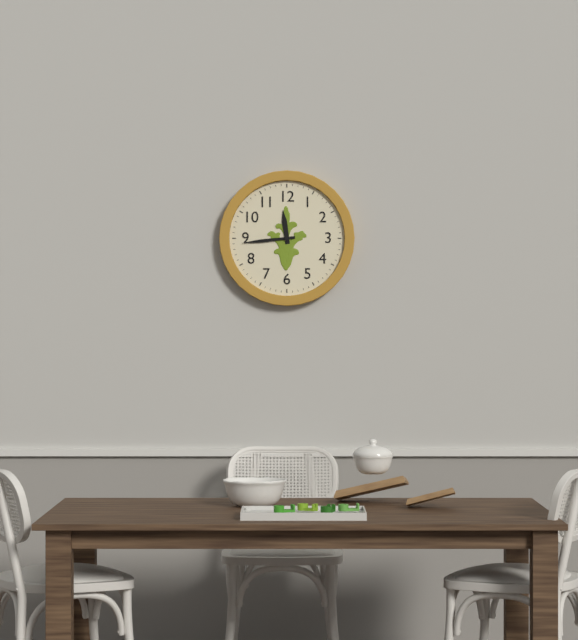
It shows 11,44
